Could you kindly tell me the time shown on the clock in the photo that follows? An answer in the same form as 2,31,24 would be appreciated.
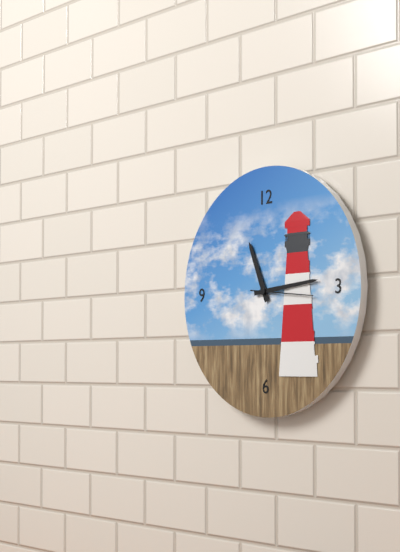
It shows 11,14,16
